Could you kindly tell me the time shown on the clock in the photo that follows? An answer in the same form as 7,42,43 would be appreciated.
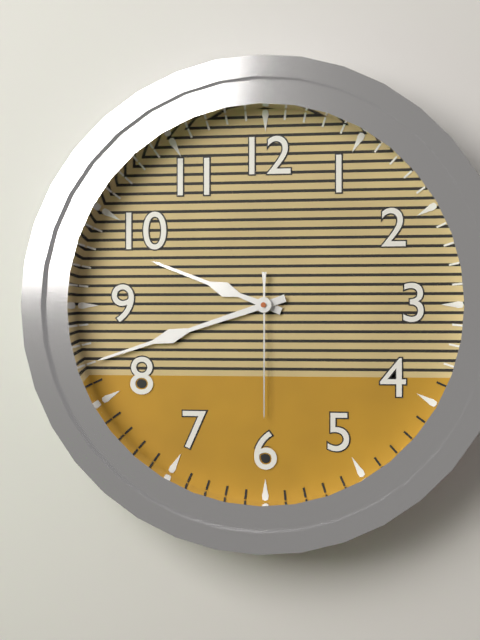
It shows 9,42,30
